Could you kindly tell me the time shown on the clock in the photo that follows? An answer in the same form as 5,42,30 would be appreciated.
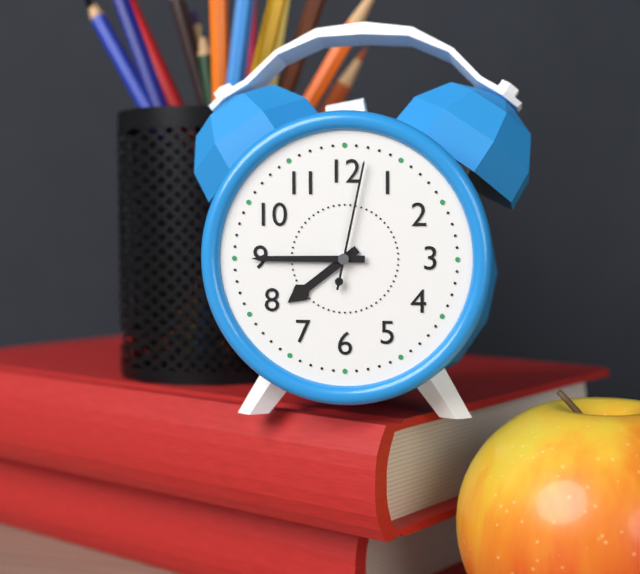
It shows 7,45,02
